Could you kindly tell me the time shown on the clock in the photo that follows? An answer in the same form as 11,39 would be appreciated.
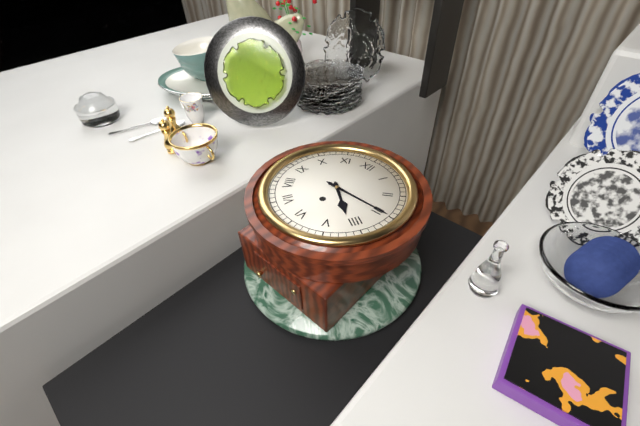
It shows 4,15
